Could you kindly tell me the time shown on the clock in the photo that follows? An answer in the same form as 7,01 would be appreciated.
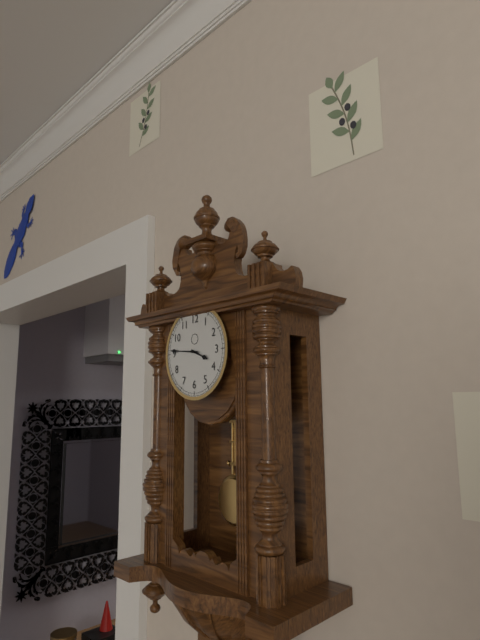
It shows 3,46
